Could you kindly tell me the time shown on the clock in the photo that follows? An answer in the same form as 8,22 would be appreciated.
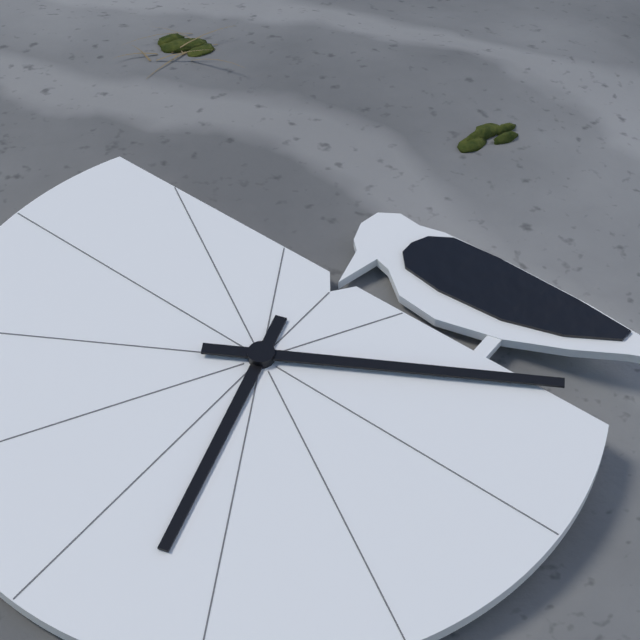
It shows 8,25
